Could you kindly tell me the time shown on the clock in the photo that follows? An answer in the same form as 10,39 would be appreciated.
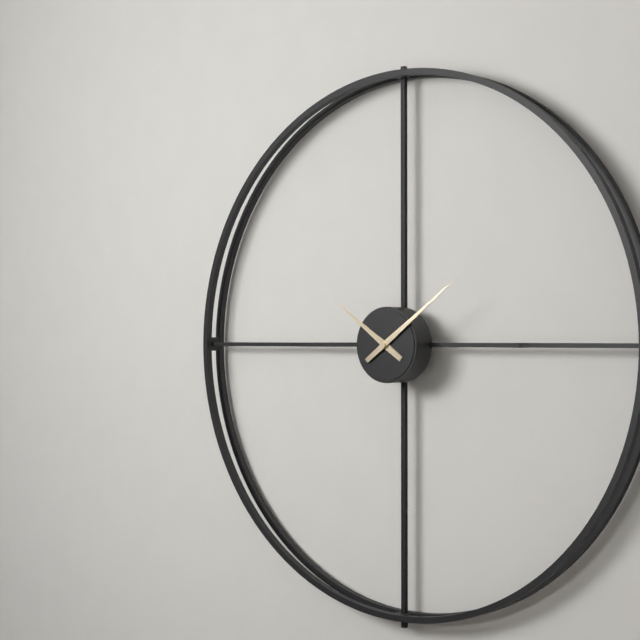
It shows 10,09
